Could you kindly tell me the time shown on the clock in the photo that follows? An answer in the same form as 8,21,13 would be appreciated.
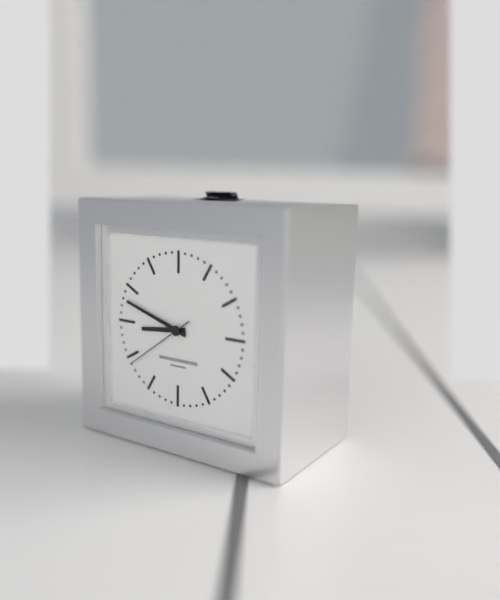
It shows 8,48,39
